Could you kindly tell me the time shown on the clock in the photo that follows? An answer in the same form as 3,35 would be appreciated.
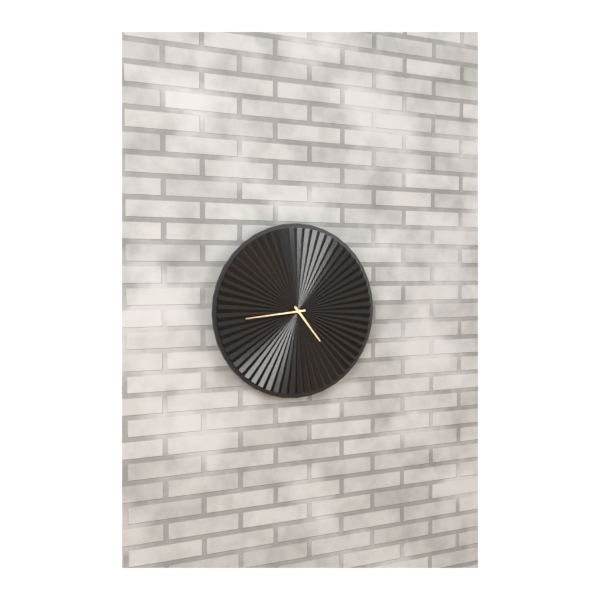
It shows 4,44
